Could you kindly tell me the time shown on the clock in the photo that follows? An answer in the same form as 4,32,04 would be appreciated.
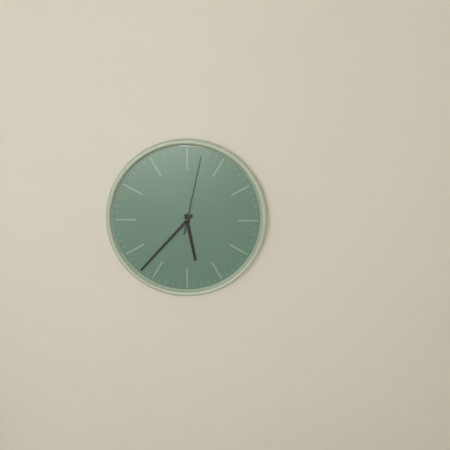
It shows 5,37,02
